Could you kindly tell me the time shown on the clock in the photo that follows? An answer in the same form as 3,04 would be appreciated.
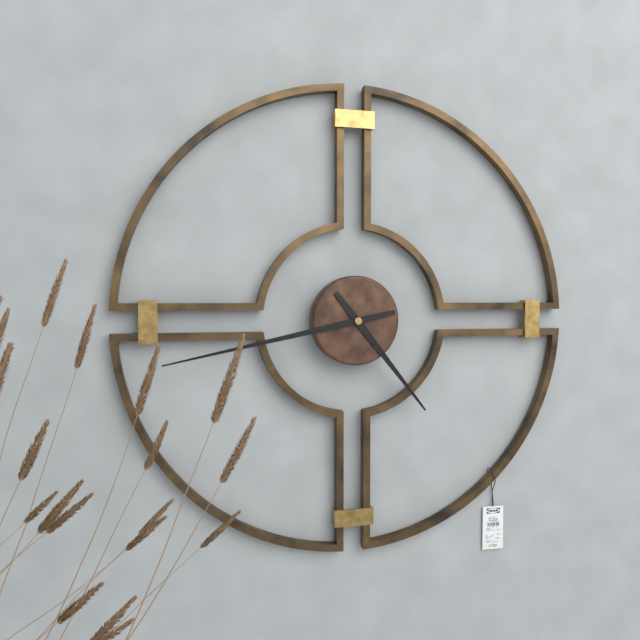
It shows 4,43
